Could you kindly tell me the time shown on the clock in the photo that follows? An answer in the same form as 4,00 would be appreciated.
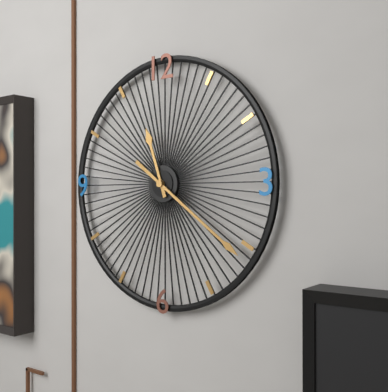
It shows 11,21
